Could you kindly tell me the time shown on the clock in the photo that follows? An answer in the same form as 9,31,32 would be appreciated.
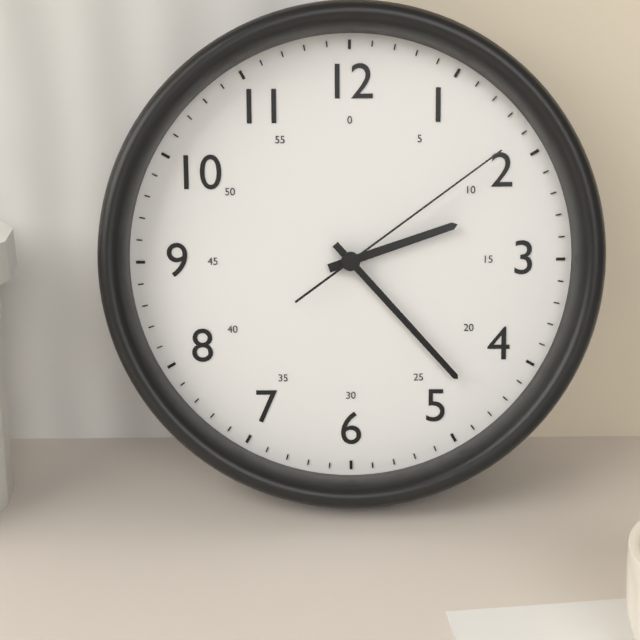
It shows 2,23,09
